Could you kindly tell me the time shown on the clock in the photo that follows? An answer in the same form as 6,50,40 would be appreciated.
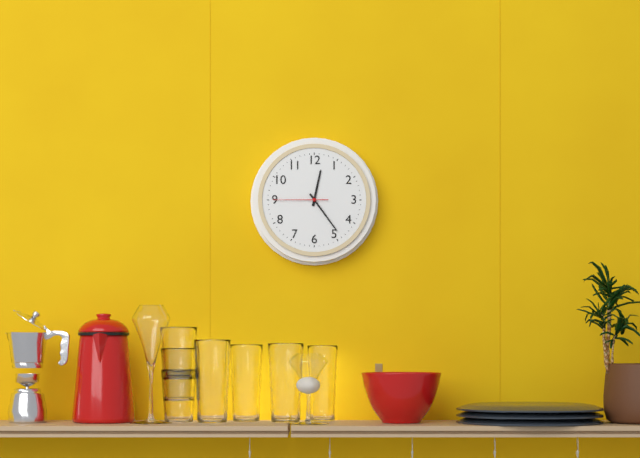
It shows 12,24,45
